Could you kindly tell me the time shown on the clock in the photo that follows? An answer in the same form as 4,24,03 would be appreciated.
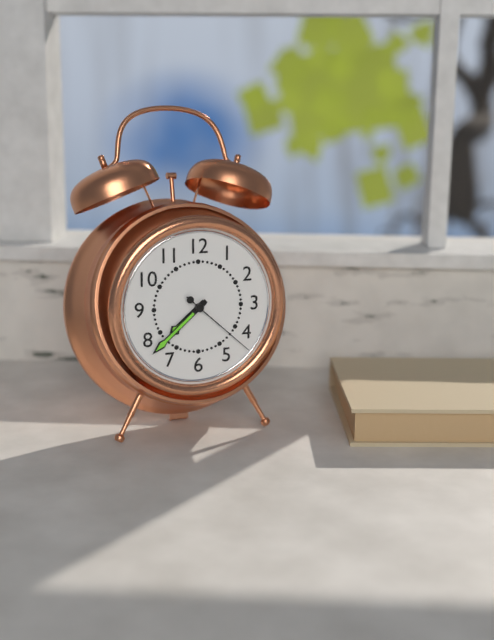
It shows 7,38,22
